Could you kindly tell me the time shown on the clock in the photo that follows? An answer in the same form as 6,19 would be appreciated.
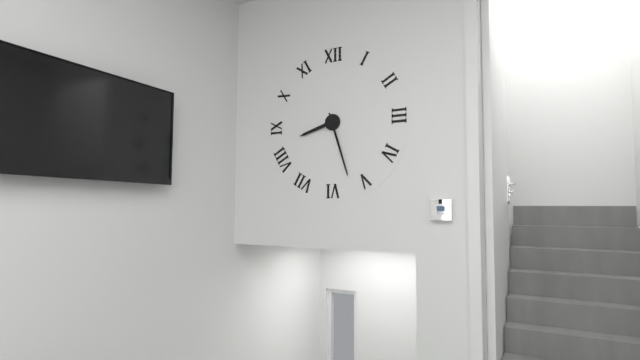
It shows 8,27
